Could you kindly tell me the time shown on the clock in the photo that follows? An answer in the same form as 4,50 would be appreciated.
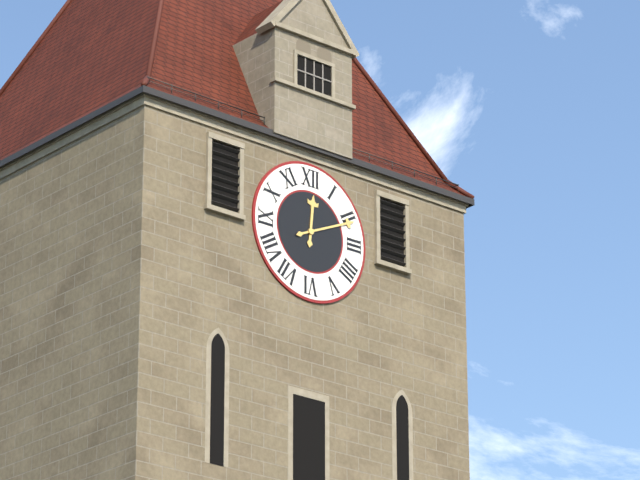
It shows 12,11
